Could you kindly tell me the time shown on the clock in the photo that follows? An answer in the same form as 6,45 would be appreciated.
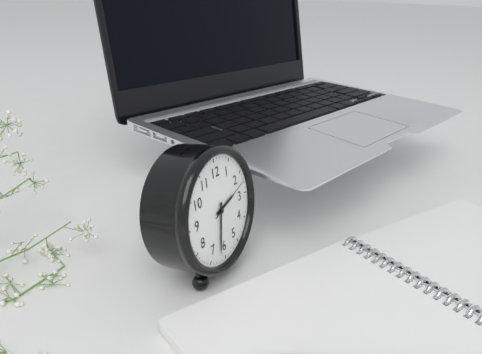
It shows 2,32
